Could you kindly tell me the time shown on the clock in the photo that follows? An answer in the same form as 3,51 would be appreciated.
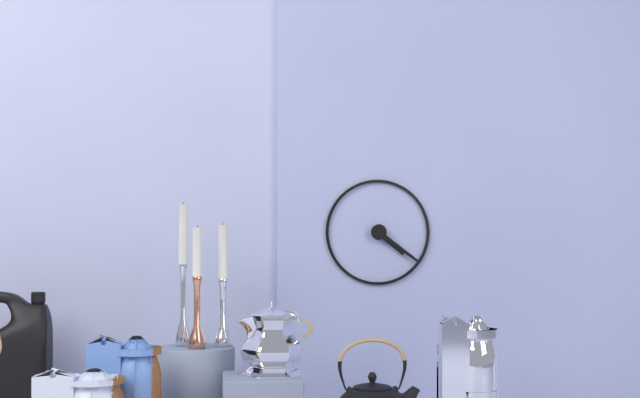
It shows 4,21
